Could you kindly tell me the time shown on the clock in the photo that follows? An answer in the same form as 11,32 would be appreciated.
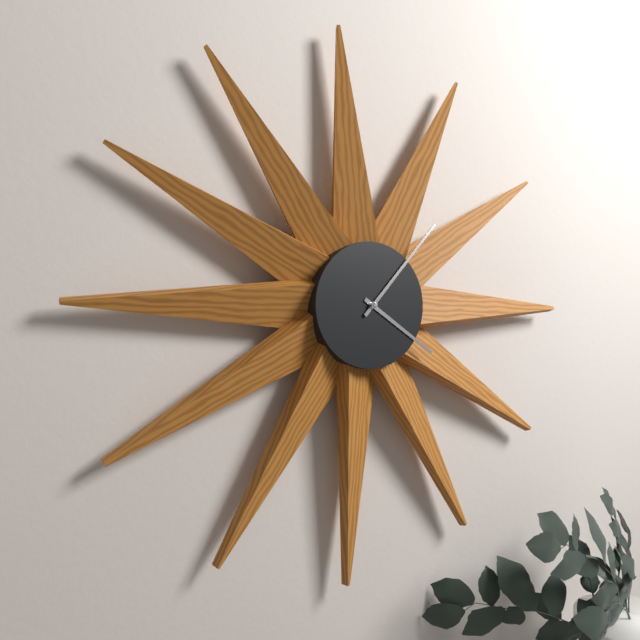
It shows 4,07
